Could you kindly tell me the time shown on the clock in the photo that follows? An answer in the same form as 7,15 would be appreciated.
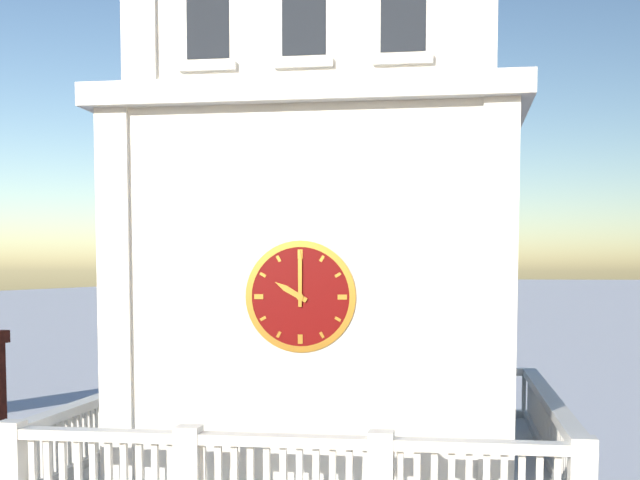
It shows 10,00
